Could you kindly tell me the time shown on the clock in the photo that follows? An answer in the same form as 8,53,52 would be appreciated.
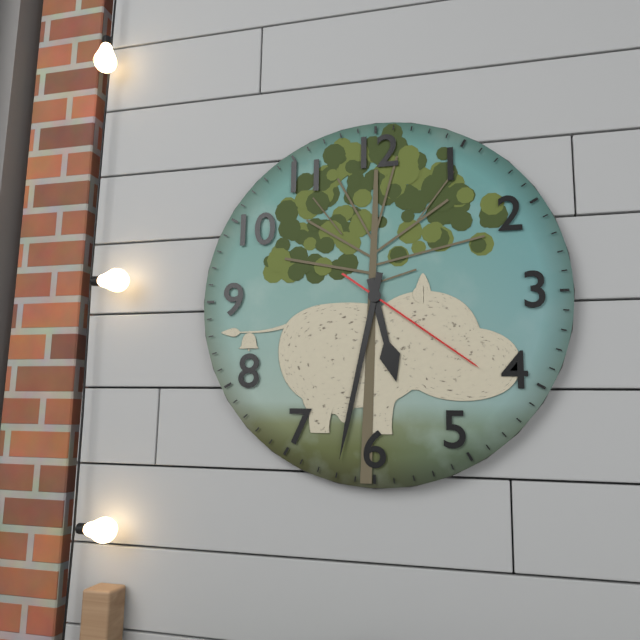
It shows 5,32,21
